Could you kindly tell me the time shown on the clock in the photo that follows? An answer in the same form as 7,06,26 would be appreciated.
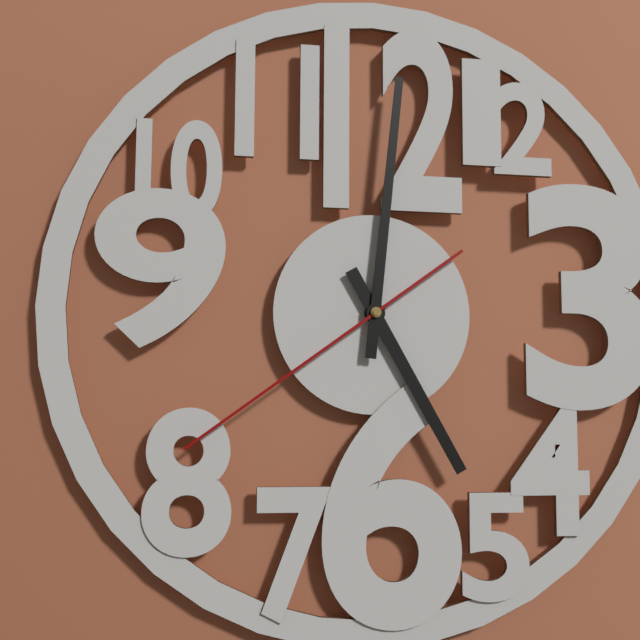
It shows 5,01,39
